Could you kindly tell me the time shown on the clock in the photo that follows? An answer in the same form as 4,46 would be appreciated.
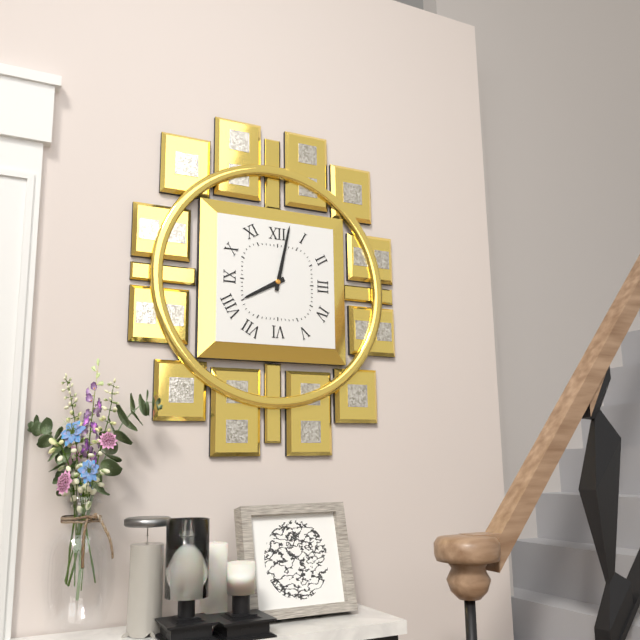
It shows 8,02
